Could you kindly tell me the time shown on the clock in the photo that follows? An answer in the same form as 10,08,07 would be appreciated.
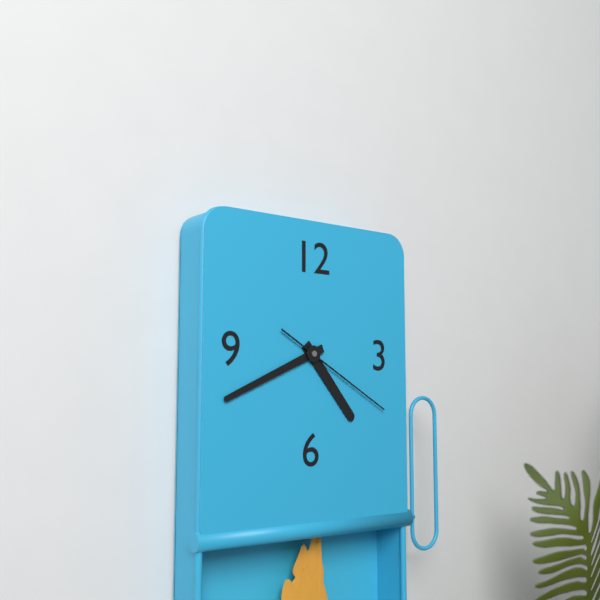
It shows 4,41,20
